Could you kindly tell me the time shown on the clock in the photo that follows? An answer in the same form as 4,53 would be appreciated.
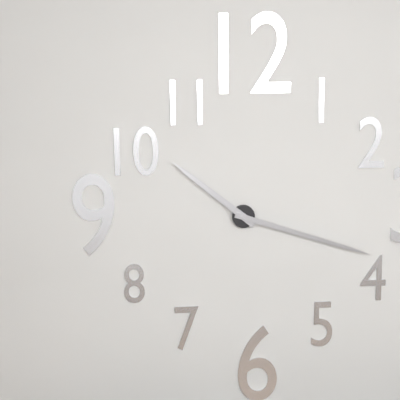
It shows 10,18
